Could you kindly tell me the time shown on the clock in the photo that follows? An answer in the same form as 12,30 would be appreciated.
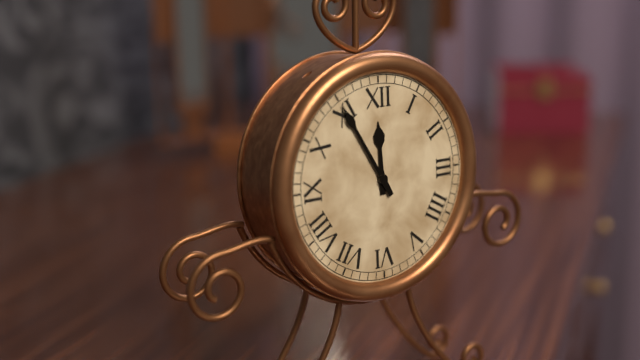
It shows 11,55
